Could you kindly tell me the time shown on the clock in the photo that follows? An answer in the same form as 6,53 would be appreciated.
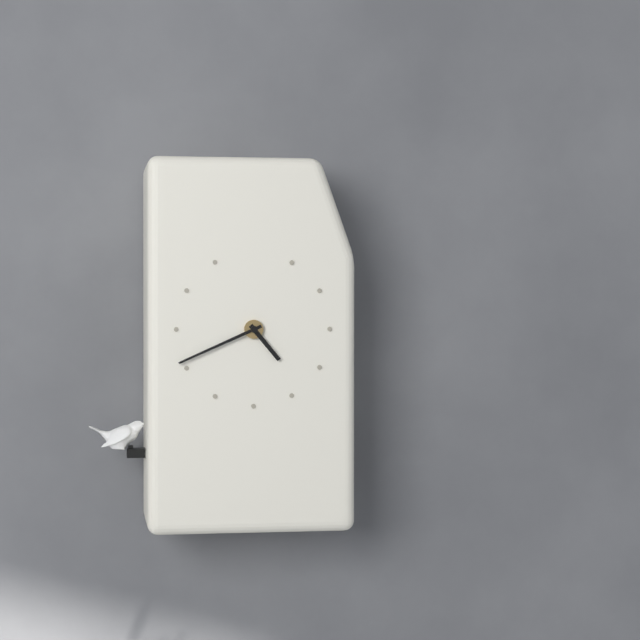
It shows 4,41
